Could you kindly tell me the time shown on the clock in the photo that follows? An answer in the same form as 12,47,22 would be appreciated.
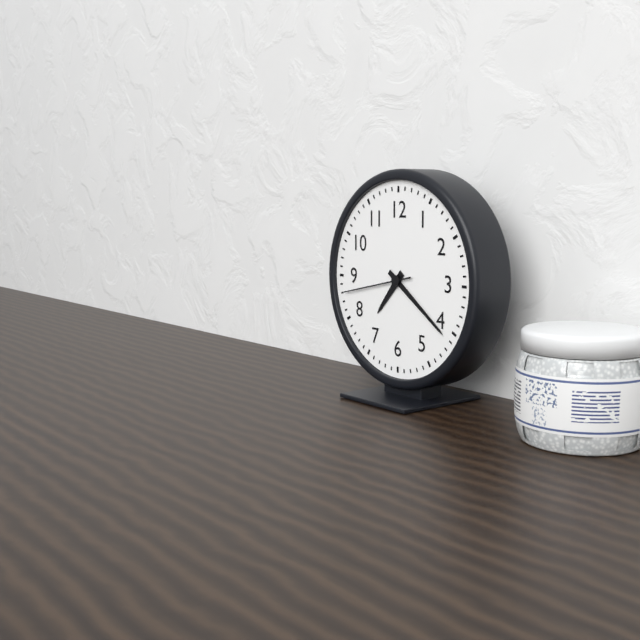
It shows 7,21,43
